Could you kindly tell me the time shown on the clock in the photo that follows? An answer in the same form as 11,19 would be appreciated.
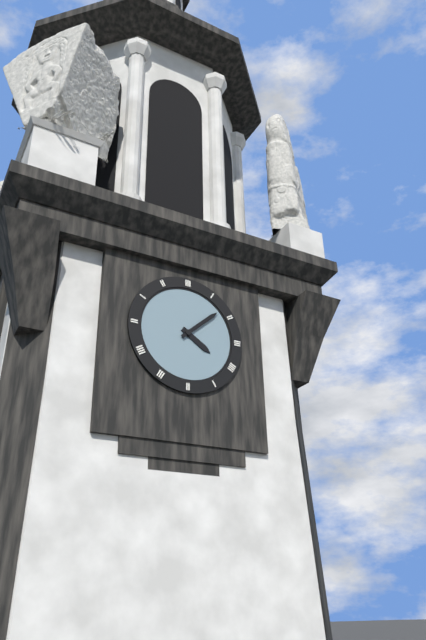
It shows 4,08
